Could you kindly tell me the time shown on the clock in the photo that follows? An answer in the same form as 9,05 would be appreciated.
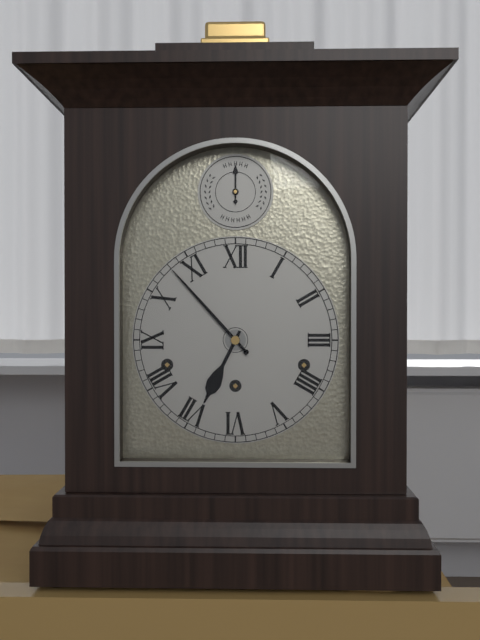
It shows 6,53
